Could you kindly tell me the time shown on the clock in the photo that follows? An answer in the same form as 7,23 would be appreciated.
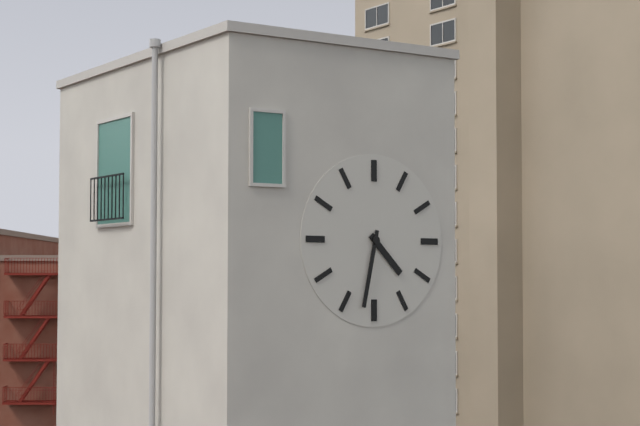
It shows 4,32
